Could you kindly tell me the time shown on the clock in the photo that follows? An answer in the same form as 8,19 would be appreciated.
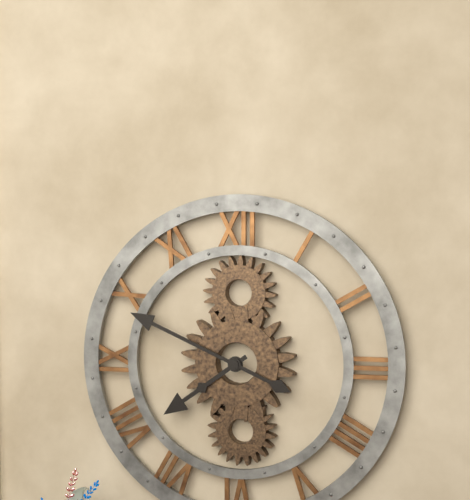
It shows 7,49
